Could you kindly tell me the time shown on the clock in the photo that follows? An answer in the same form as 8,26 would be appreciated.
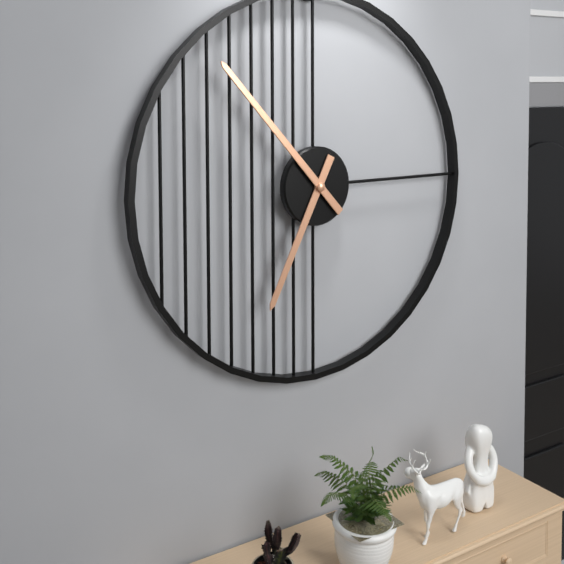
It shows 6,53
